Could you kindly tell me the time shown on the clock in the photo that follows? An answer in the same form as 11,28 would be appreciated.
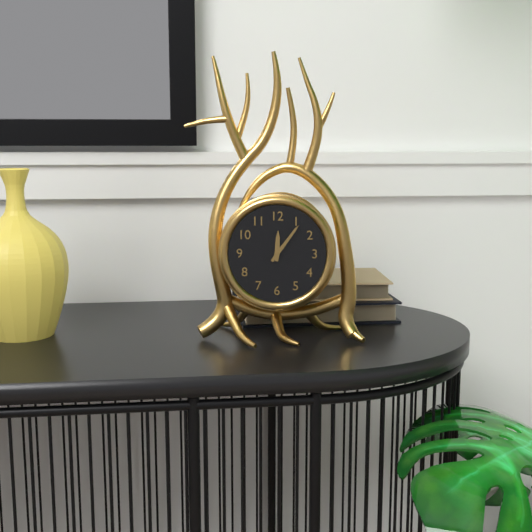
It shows 12,06
